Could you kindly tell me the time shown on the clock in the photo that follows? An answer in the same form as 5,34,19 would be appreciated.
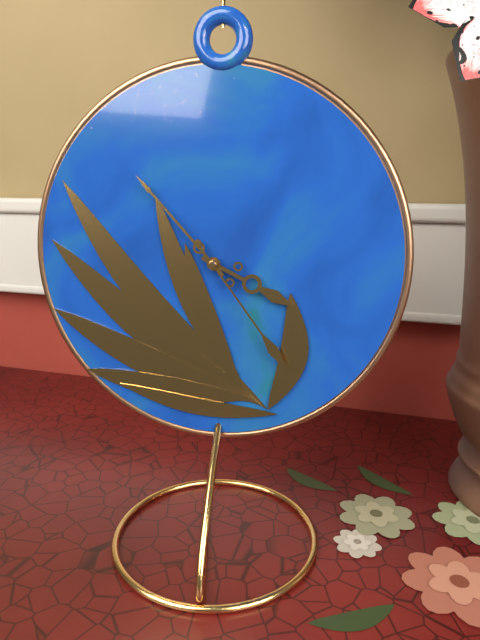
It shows 3,53,24
